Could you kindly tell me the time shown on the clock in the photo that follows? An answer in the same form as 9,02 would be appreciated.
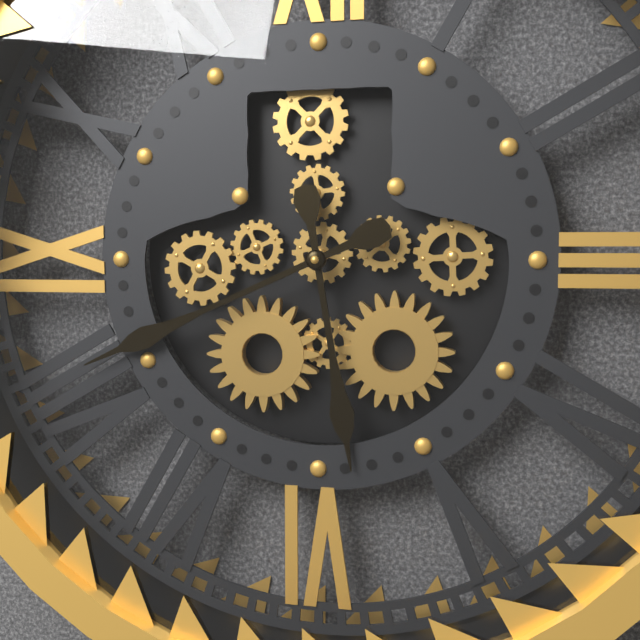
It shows 5,41
